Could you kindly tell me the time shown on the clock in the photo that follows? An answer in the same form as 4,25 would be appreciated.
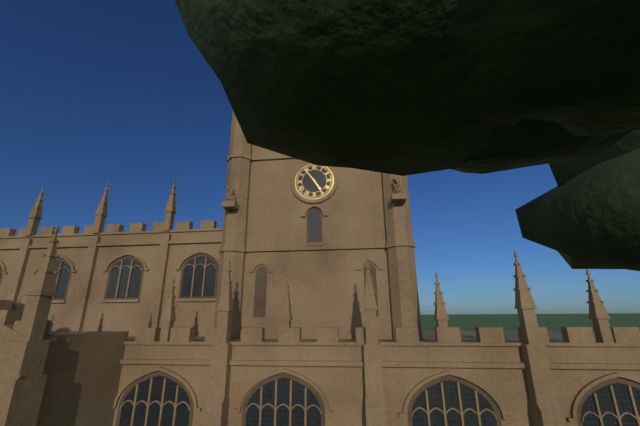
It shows 4,54
